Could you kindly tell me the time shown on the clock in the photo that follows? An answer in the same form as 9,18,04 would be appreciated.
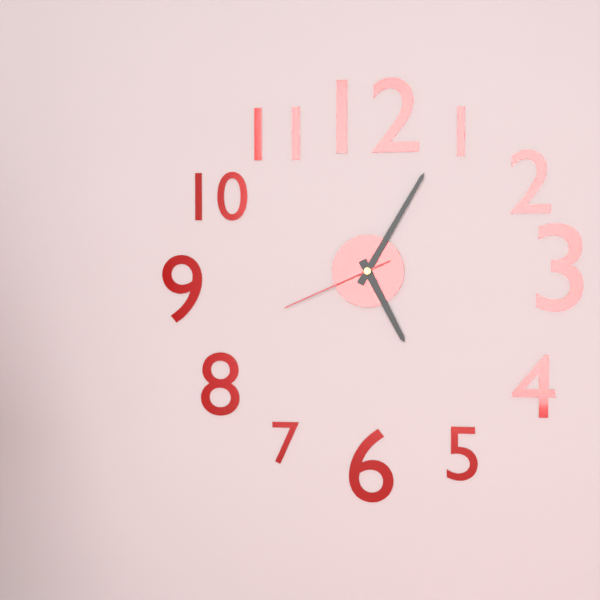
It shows 5,05,41
